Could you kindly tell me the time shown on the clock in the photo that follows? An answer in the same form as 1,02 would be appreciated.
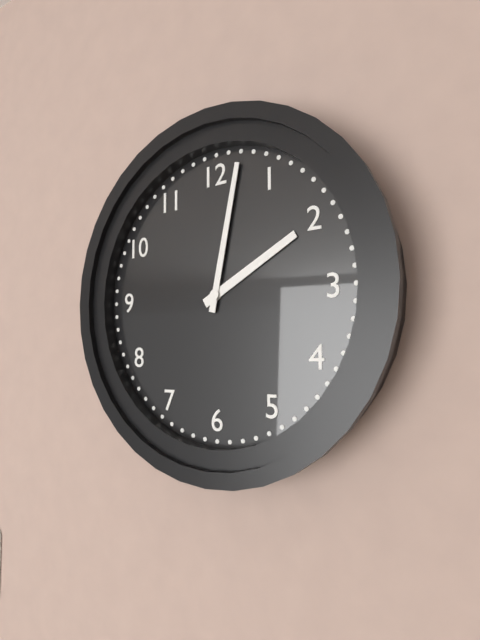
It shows 2,02
